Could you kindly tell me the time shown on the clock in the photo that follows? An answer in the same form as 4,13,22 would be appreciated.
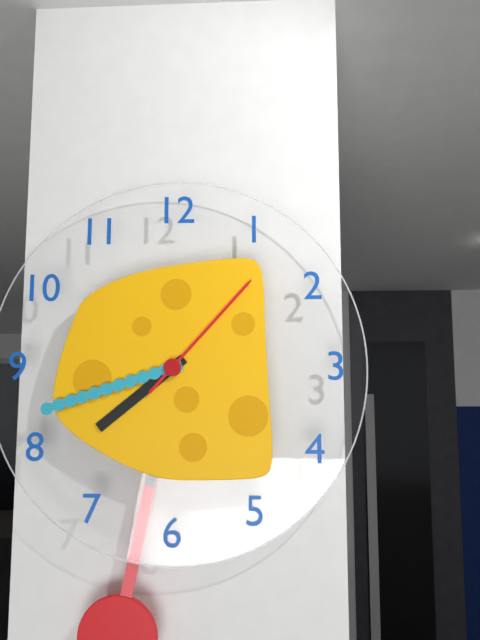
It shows 7,42,07
